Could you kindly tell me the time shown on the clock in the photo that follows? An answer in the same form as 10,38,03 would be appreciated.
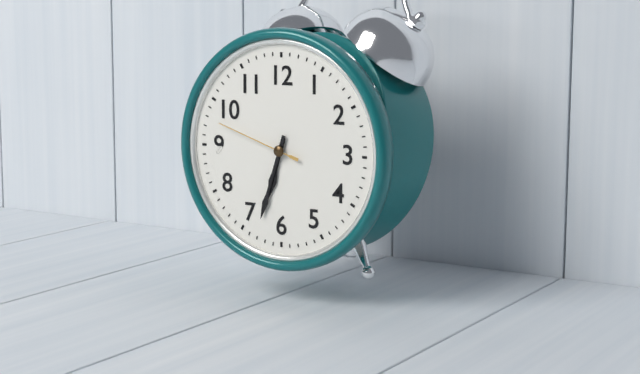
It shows 6,33,48
